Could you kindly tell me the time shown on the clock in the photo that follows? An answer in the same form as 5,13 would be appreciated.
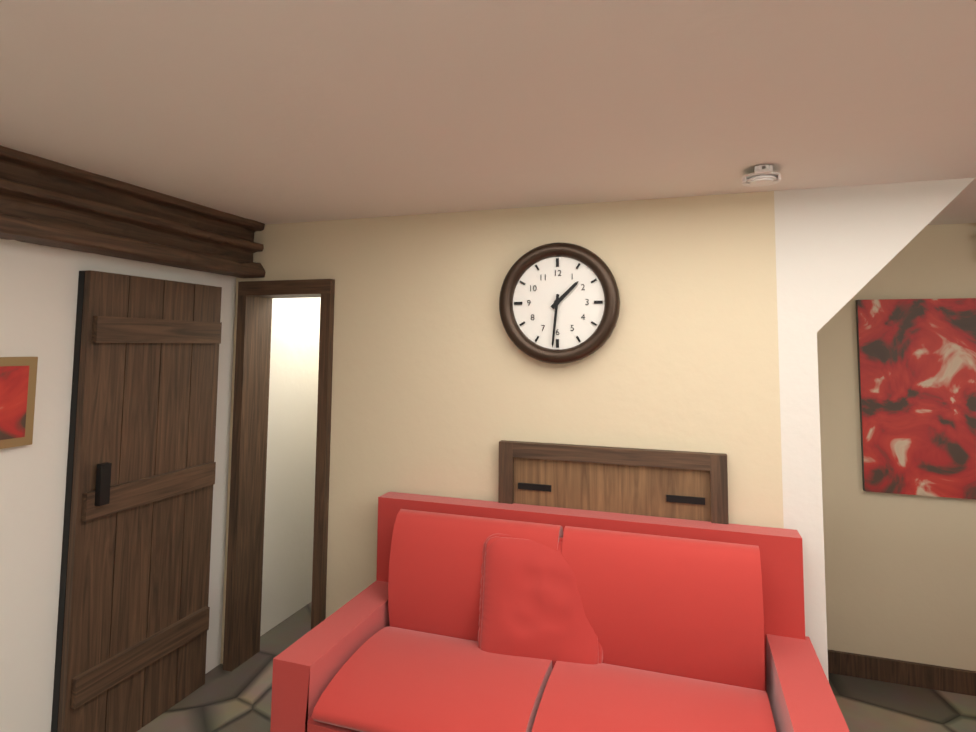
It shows 1,31
